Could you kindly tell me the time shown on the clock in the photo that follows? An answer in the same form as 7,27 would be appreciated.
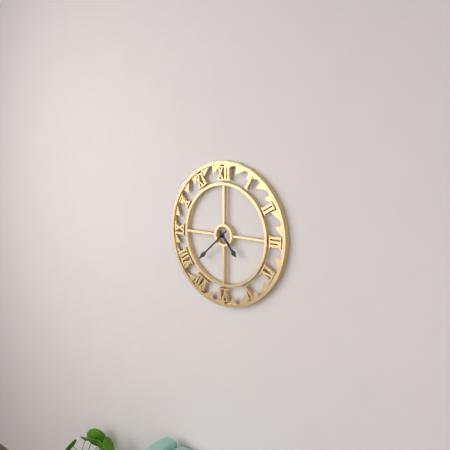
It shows 4,38
